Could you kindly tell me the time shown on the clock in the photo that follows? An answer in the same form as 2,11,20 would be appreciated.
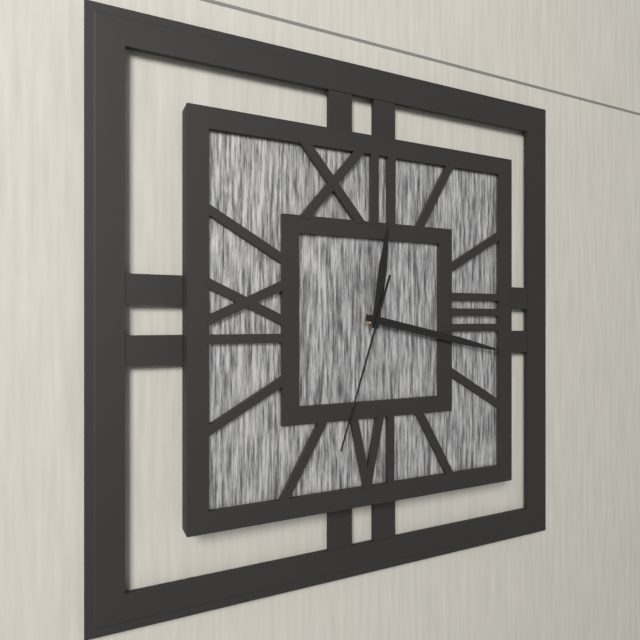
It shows 12,17,33
